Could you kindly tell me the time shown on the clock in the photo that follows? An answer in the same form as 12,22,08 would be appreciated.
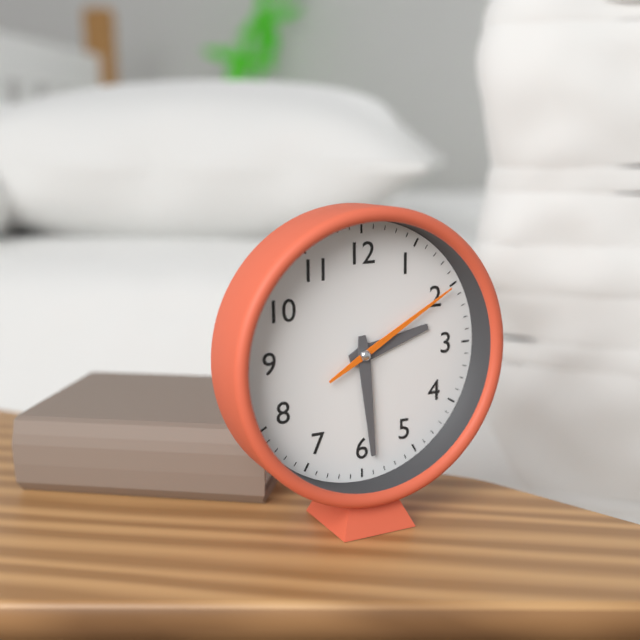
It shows 2,29,10
